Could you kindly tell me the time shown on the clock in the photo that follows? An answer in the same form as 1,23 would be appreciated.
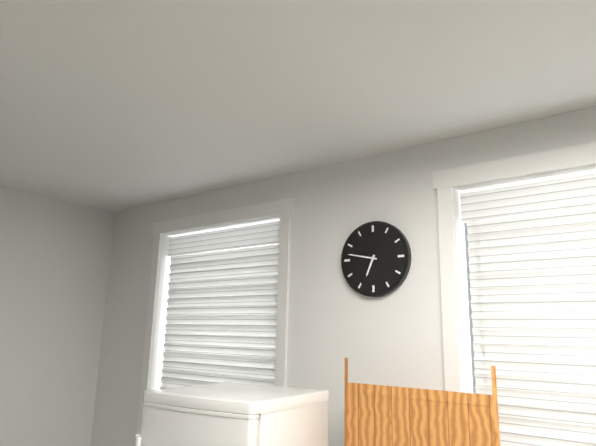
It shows 6,47
